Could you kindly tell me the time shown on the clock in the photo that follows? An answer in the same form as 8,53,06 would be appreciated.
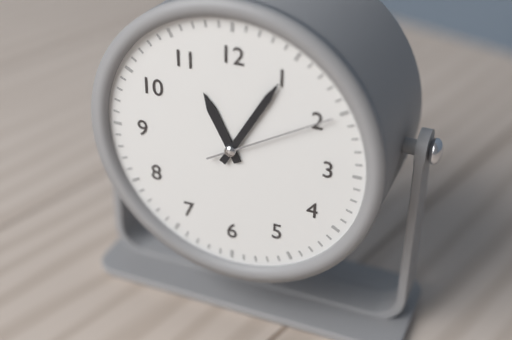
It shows 11,05,10
